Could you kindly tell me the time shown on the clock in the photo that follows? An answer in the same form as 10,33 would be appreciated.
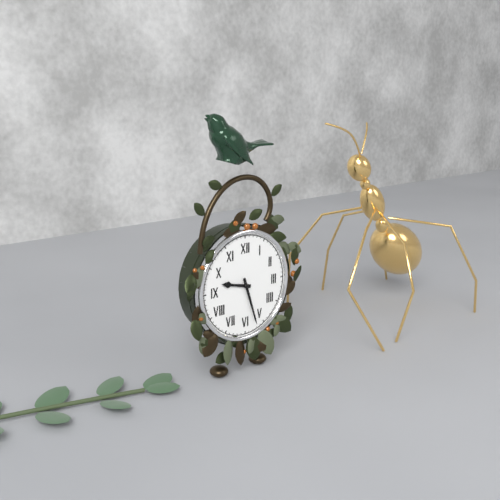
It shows 9,27
